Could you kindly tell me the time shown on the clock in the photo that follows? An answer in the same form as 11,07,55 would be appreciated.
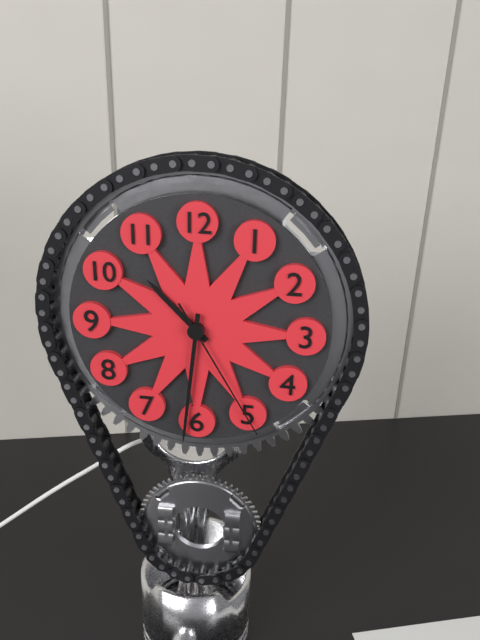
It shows 10,31,25
